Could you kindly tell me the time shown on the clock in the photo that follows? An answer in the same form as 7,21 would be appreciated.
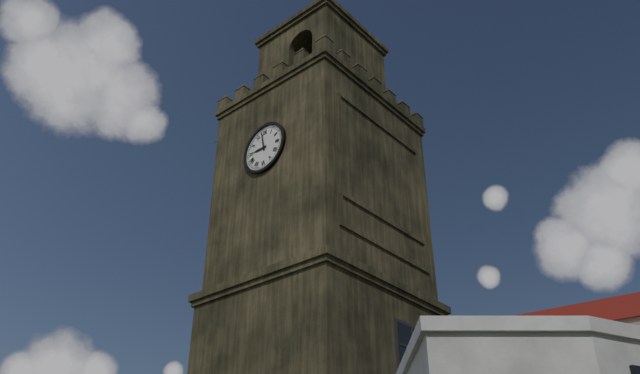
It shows 8,58
